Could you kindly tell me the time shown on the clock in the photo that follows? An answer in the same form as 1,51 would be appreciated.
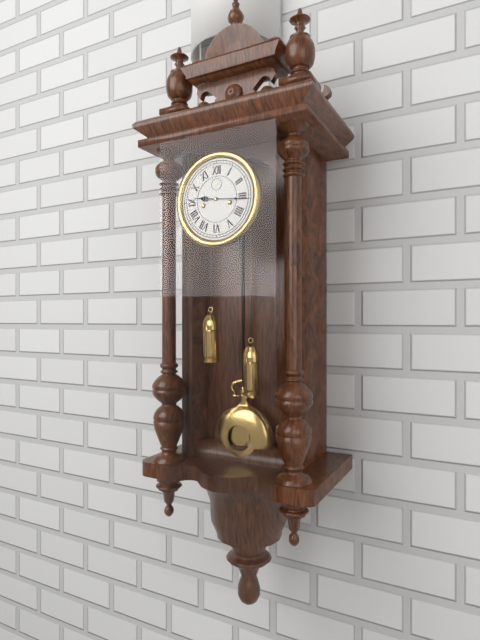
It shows 9,16
